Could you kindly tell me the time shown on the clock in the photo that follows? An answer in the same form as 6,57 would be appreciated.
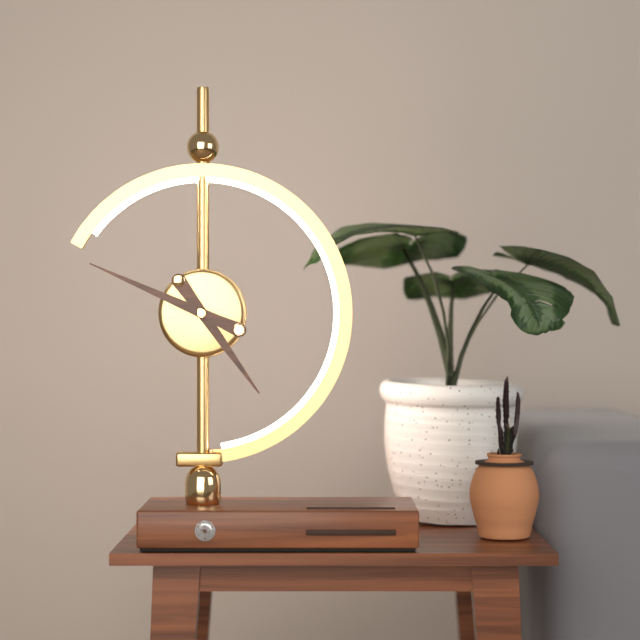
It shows 4,49
